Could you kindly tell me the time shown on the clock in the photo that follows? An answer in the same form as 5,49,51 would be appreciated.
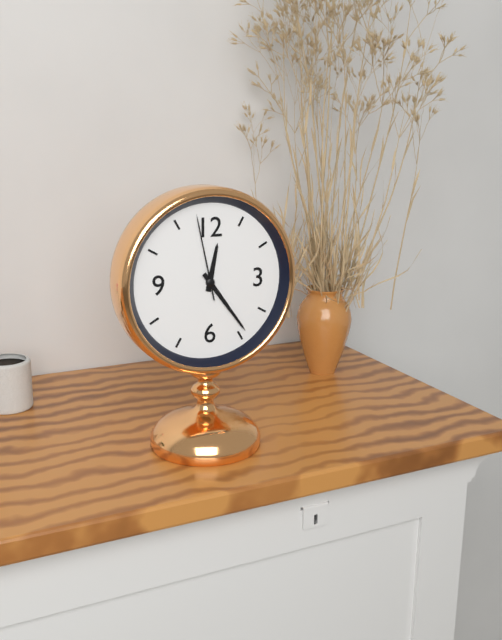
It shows 12,24,58
